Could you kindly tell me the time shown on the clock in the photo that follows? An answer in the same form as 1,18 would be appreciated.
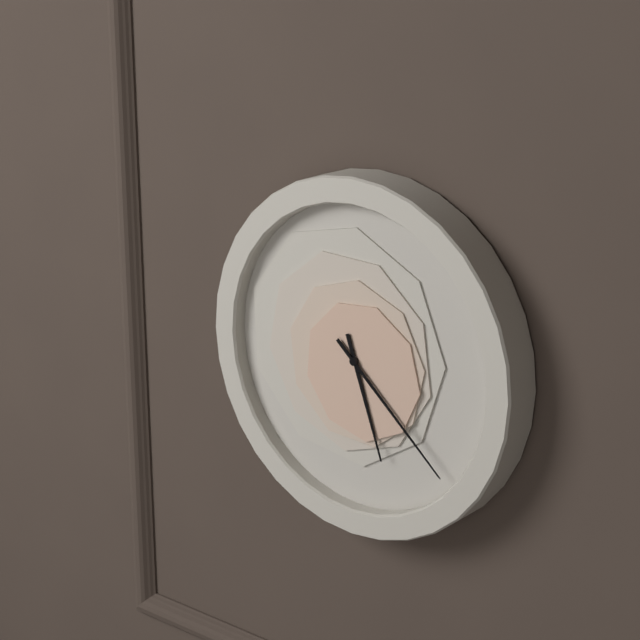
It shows 5,22
